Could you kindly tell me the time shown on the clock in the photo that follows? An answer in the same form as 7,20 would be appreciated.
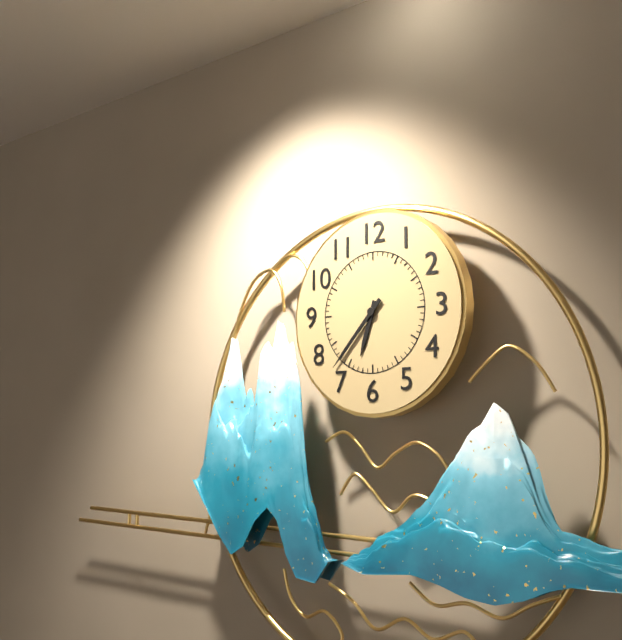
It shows 6,37
